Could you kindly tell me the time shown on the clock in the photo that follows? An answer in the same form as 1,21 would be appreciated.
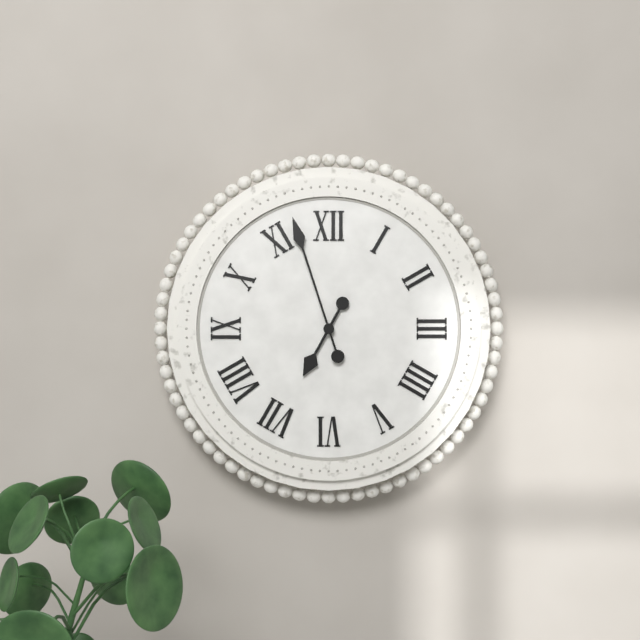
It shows 6,57
